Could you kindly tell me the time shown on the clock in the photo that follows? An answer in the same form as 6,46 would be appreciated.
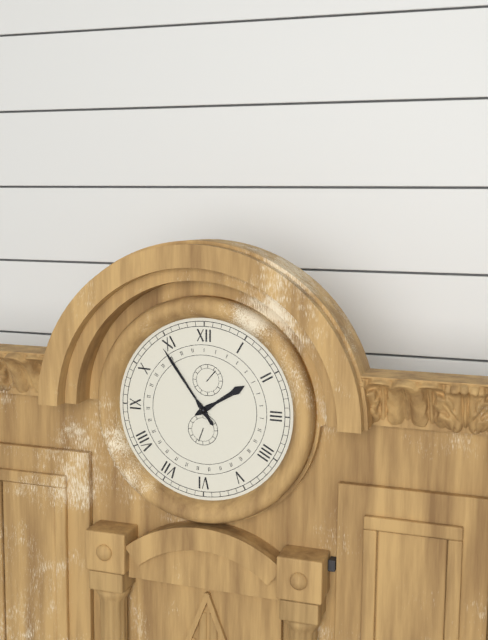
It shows 1,54
